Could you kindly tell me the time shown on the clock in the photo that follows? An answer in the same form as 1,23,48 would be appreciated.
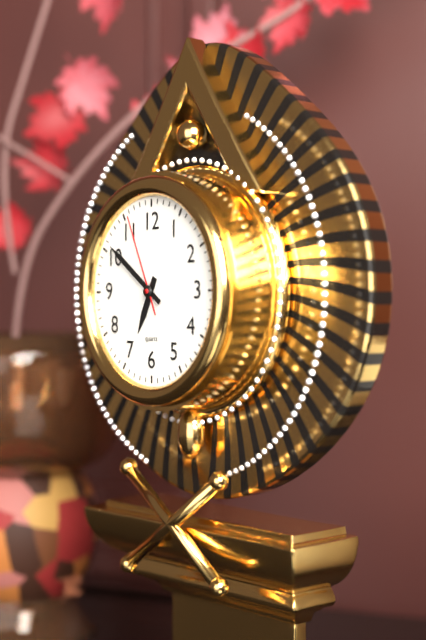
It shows 6,51,56
